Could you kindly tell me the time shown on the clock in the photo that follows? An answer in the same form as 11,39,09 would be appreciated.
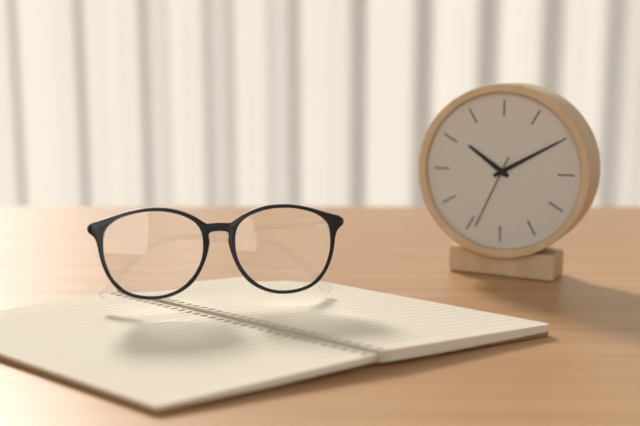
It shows 10,10,34
